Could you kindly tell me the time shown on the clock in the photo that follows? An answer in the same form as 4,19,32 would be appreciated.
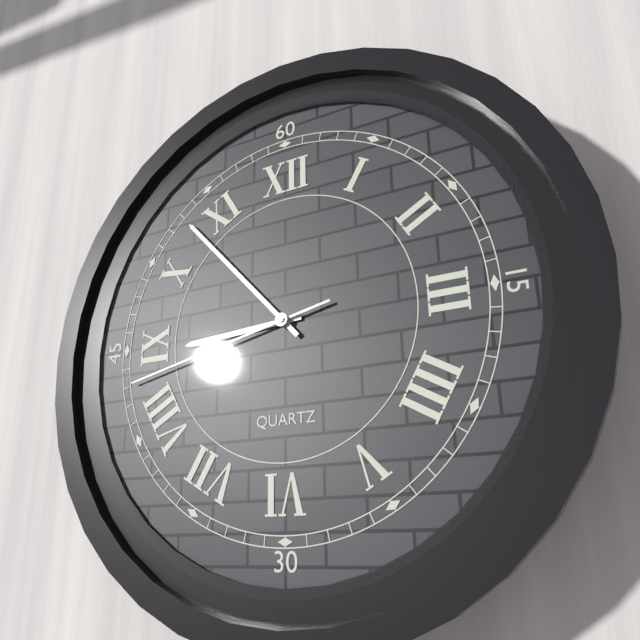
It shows 8,53,43
